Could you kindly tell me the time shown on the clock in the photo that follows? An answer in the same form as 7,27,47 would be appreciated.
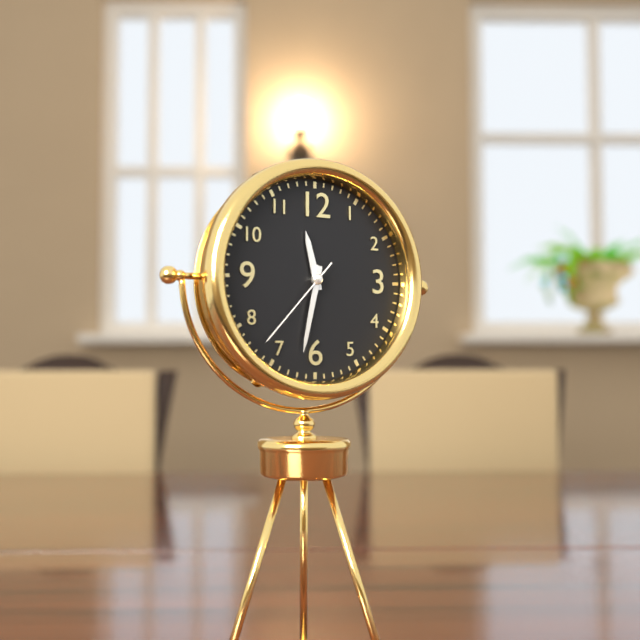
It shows 11,32,37
